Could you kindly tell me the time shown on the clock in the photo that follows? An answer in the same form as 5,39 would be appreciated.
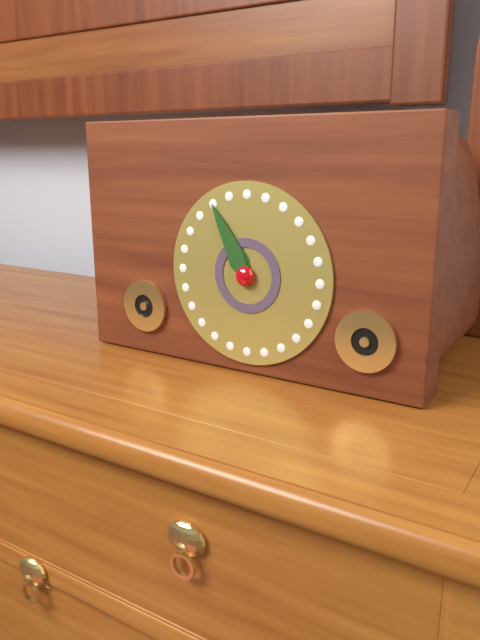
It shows 10,55
